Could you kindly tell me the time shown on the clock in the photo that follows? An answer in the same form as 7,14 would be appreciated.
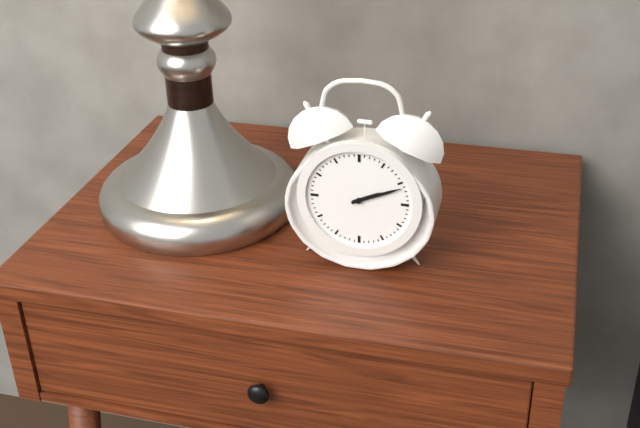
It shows 2,11
